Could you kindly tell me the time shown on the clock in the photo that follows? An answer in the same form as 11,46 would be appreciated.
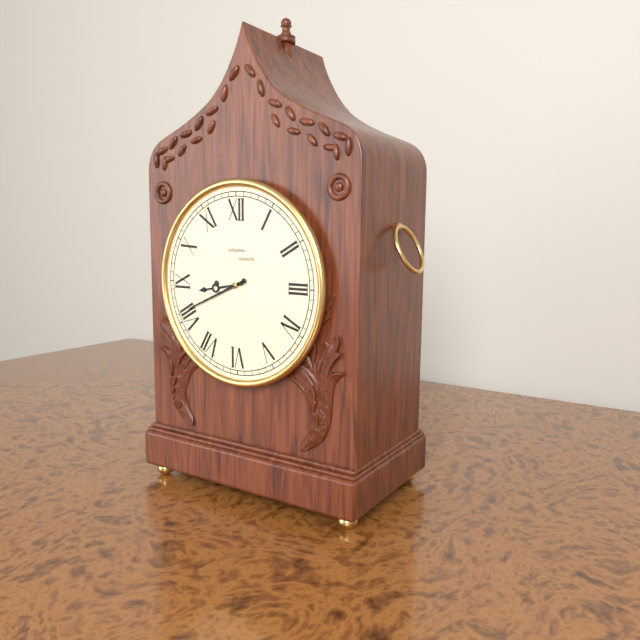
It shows 8,41
